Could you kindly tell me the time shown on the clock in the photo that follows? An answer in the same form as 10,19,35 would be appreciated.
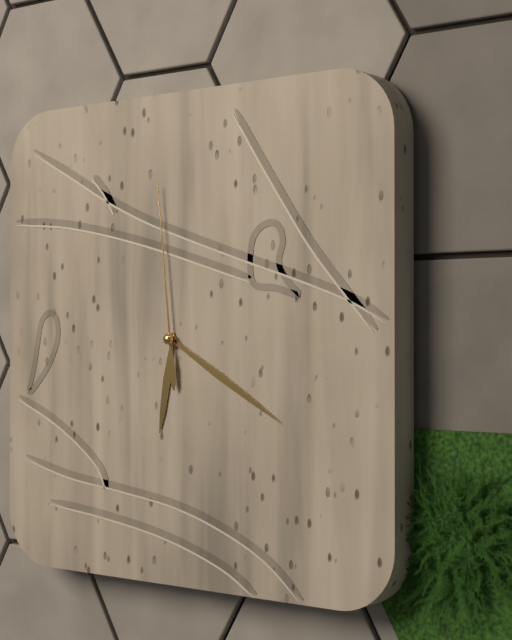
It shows 6,20,59
